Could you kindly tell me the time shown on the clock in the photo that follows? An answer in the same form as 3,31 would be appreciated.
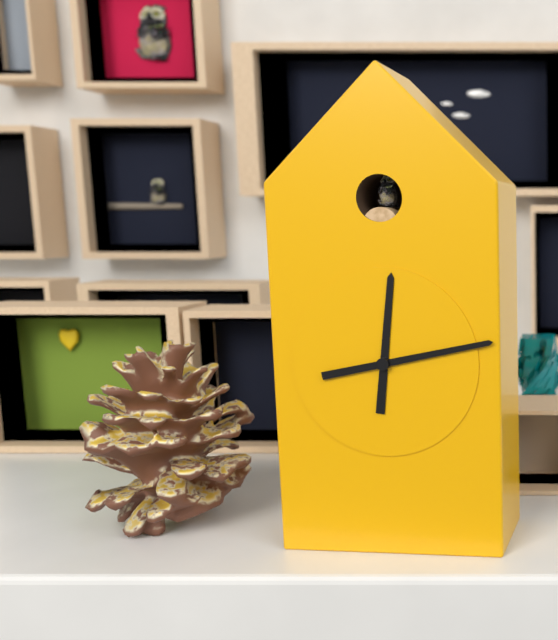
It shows 12,13
